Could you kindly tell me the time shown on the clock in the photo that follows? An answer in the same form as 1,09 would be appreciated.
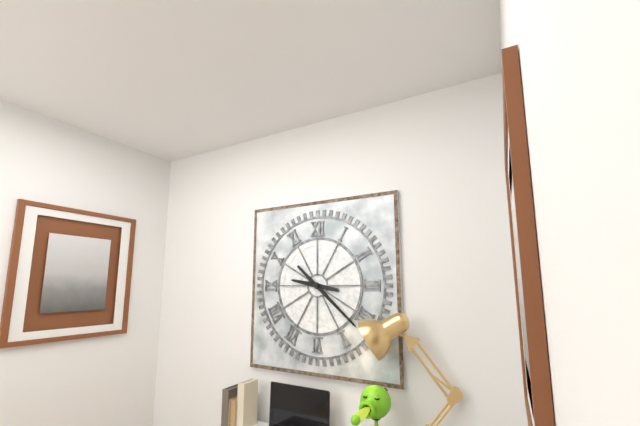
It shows 9,22
